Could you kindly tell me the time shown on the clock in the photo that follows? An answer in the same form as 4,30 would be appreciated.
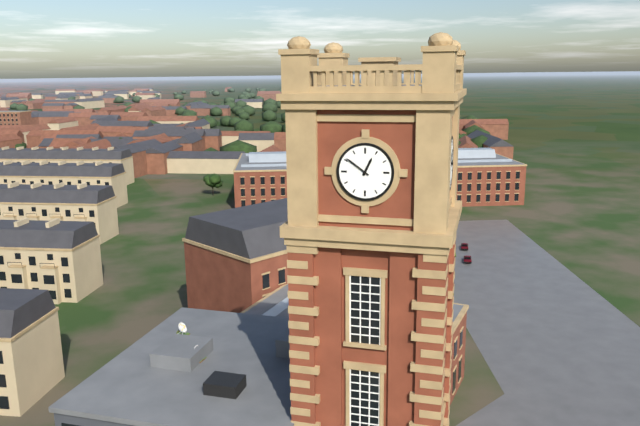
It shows 12,51
